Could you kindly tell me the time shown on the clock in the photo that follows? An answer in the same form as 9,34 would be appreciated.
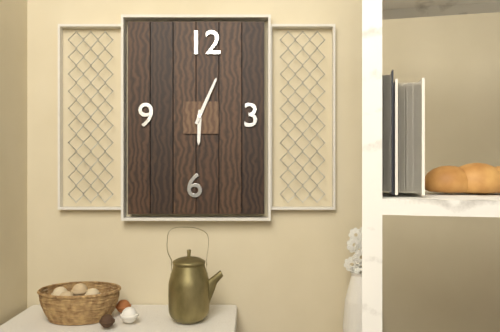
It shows 6,04
